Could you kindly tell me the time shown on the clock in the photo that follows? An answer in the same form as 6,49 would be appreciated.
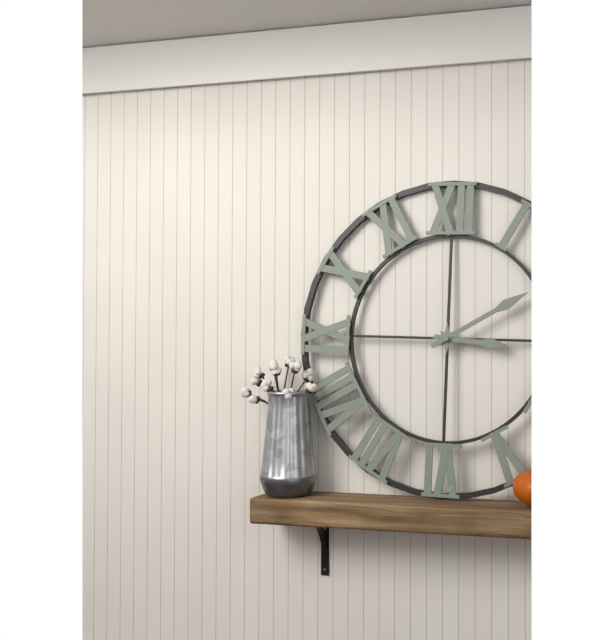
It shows 3,10
